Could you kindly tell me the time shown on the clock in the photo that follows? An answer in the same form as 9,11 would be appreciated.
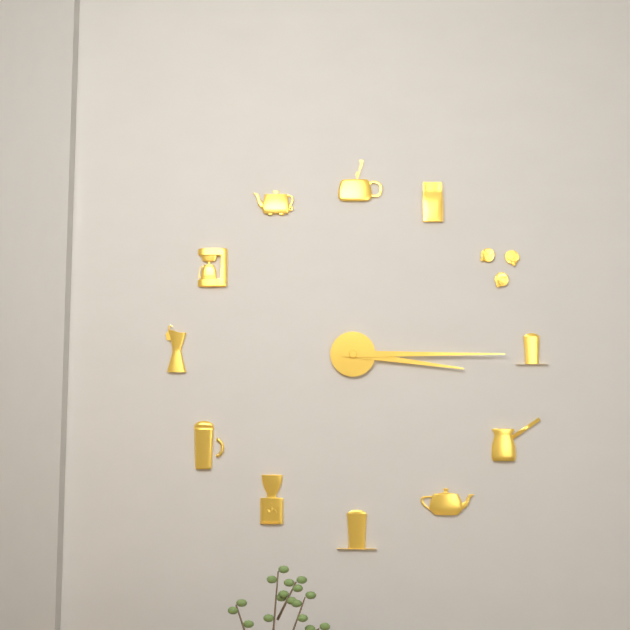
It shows 3,15
